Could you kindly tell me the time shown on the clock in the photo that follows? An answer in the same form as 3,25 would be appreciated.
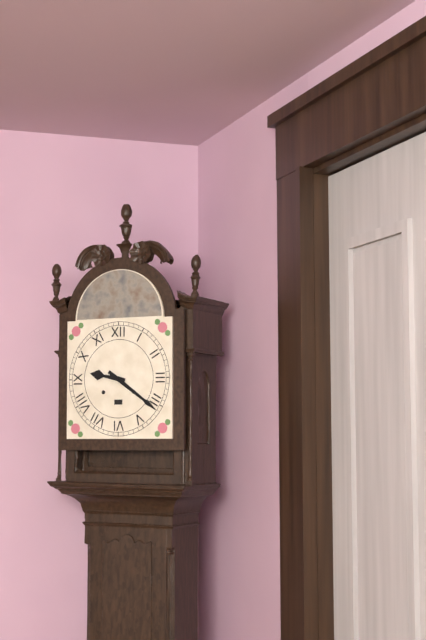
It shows 9,21
